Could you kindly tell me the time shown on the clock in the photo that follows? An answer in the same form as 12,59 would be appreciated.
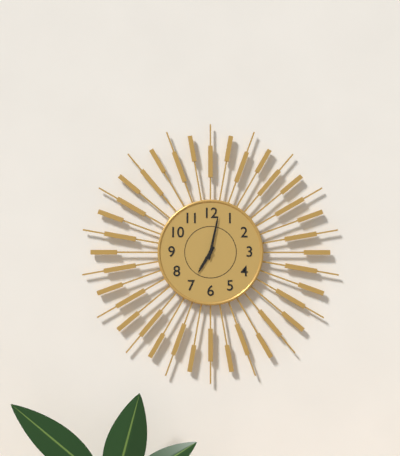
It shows 7,02
